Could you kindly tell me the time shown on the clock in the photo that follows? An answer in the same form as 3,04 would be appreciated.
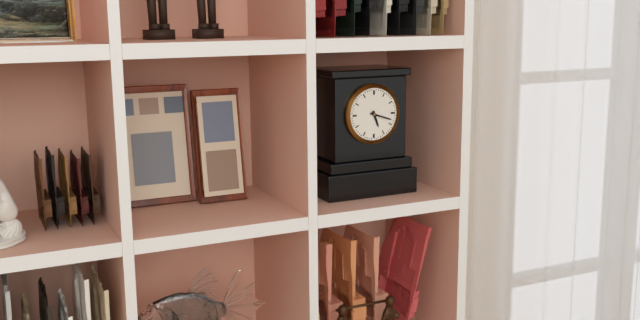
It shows 5,18
